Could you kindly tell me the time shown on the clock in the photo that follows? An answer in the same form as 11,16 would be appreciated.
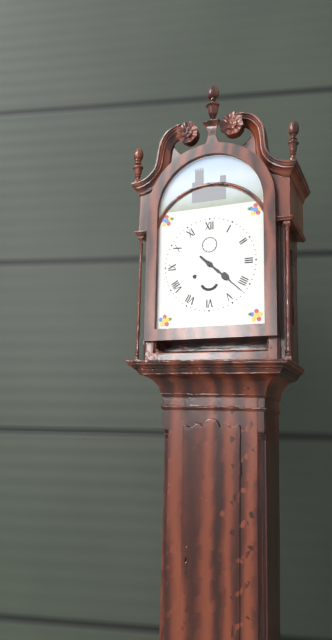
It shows 4,22
